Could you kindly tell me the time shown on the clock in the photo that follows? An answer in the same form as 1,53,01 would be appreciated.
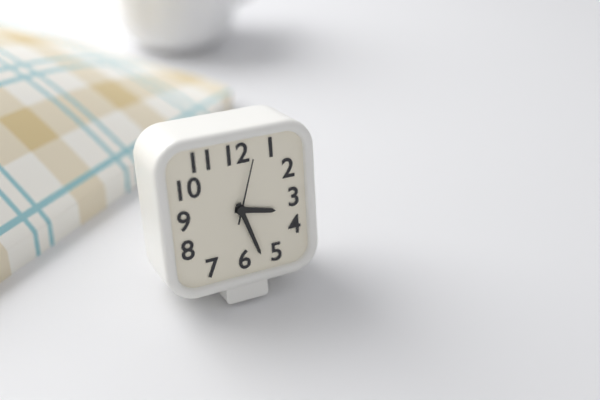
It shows 3,27,03
